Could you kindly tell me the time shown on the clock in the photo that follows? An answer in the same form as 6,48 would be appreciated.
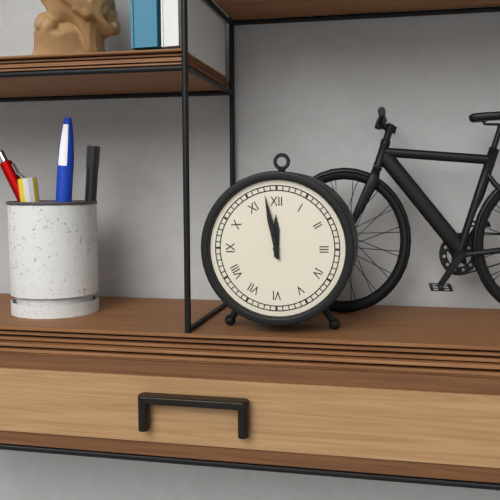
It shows 11,58
